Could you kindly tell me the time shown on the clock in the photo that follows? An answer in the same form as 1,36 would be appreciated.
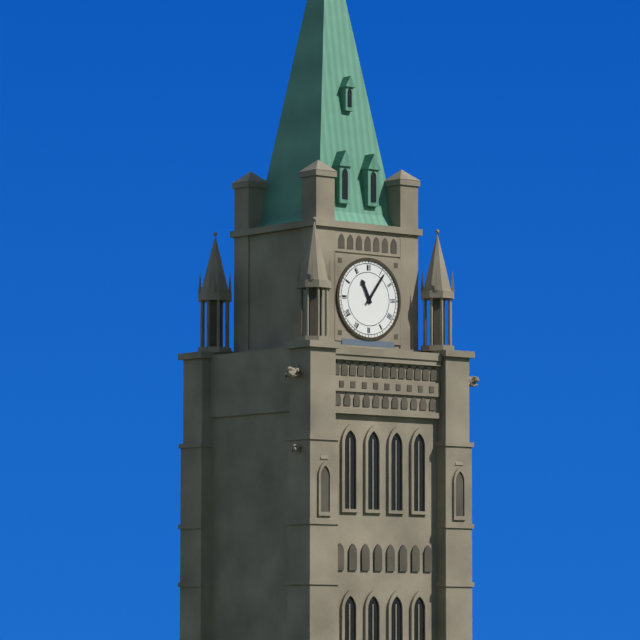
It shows 11,06
